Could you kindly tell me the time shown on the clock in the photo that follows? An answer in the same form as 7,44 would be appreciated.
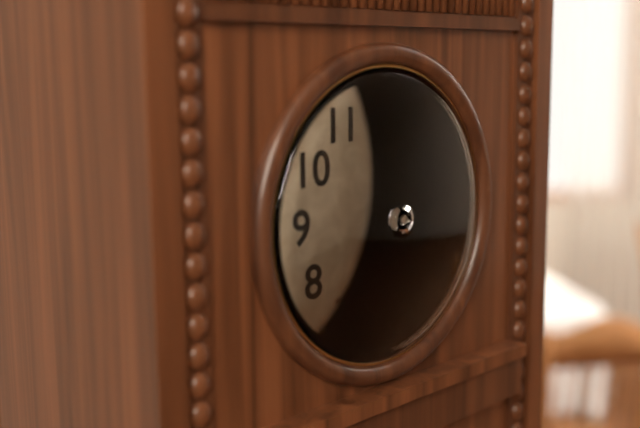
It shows 2,01
